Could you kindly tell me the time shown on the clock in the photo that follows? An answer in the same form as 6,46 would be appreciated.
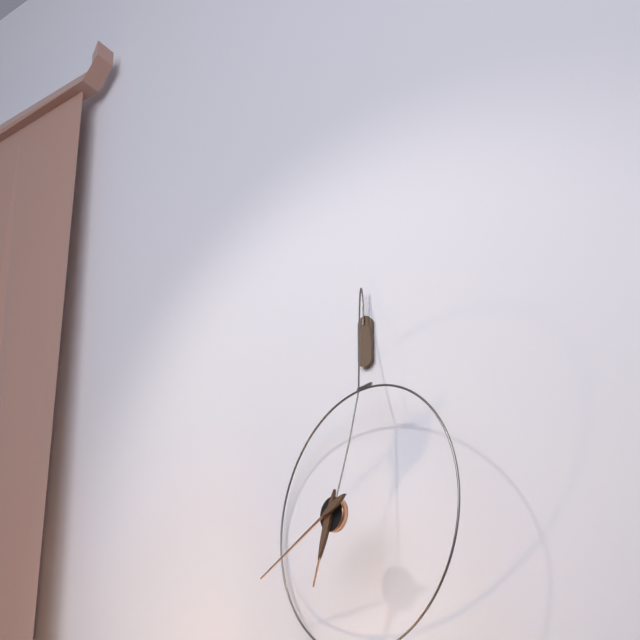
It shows 6,41
